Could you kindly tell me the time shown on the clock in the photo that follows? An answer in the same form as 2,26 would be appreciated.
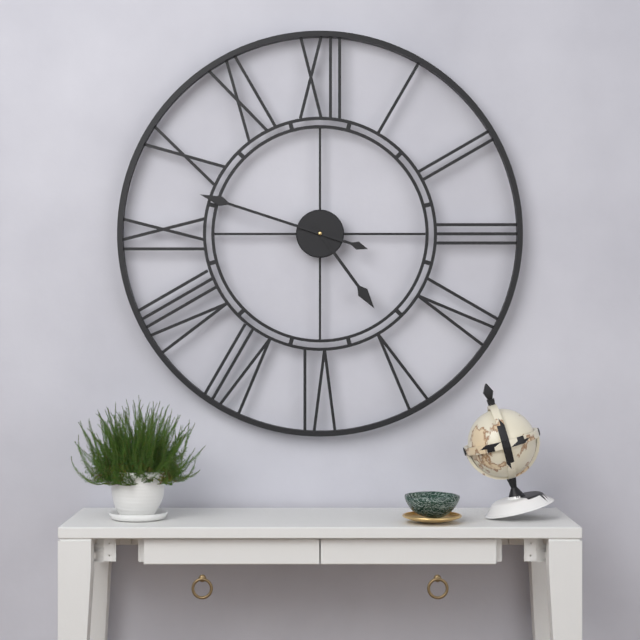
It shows 4,48
